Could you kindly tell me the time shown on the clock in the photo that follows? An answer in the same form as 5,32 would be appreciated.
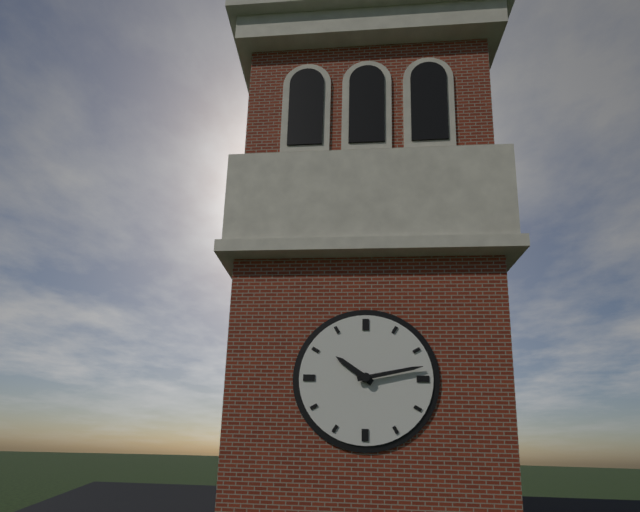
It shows 10,13
